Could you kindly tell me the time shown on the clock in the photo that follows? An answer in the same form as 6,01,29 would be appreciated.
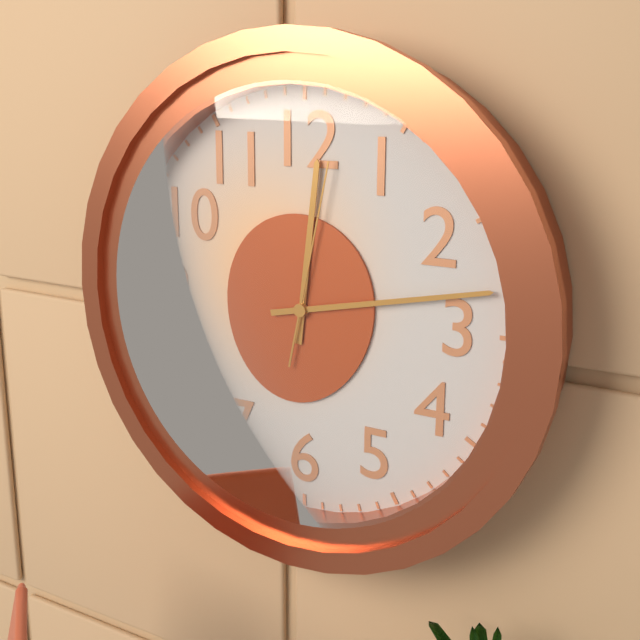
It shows 12,13,02
